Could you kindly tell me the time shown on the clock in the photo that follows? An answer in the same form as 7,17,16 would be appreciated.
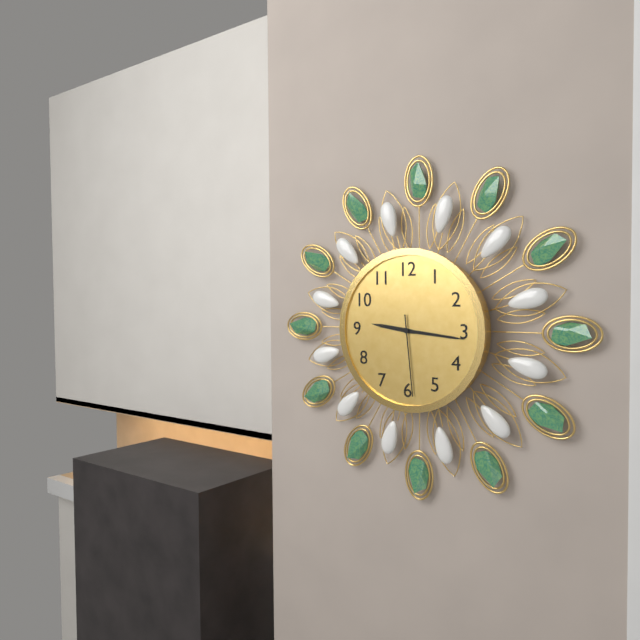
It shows 9,16,29
